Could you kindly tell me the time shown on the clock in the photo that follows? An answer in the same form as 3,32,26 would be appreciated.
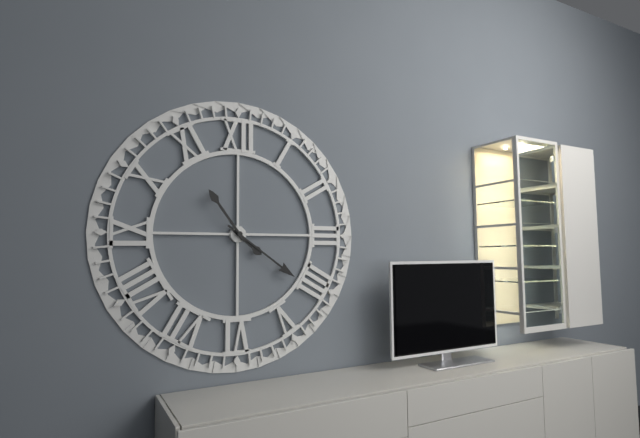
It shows 4,21,54
